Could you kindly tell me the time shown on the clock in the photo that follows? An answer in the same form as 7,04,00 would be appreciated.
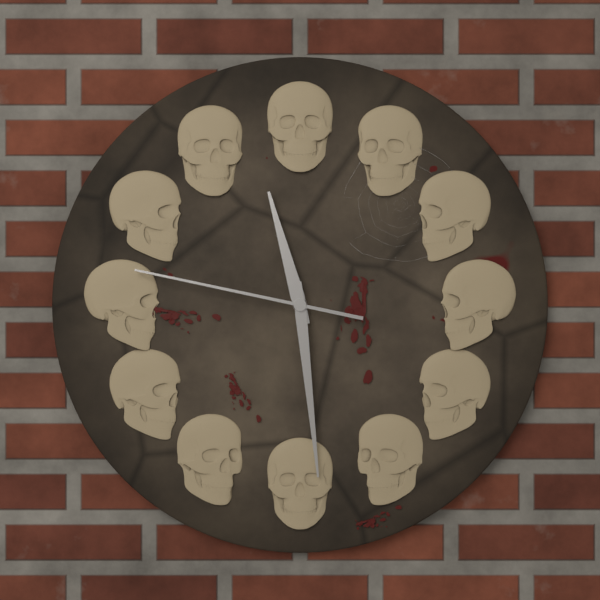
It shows 11,29,47
